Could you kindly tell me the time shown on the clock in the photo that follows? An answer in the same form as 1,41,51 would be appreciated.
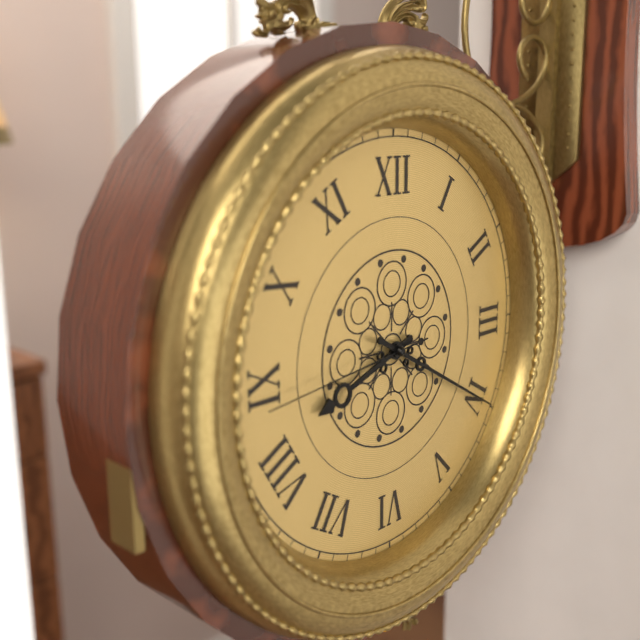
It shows 8,20,44
